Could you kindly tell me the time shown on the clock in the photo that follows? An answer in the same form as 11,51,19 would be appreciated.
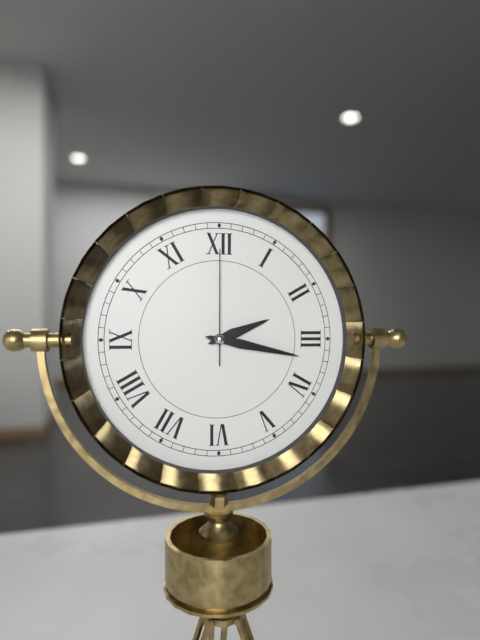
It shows 2,17,00
